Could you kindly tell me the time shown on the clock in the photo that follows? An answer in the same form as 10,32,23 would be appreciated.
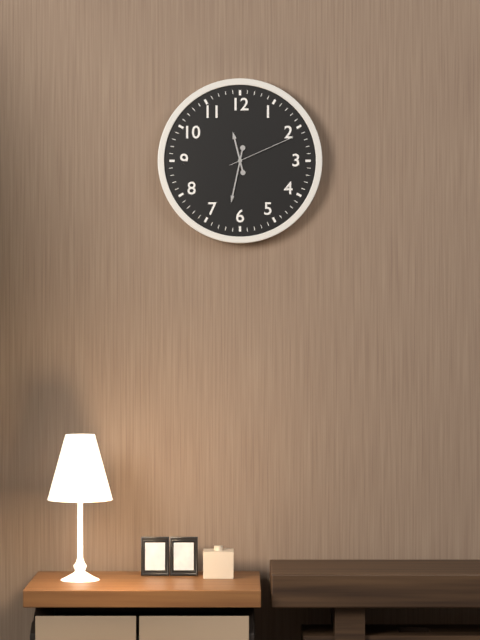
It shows 11,32,11
